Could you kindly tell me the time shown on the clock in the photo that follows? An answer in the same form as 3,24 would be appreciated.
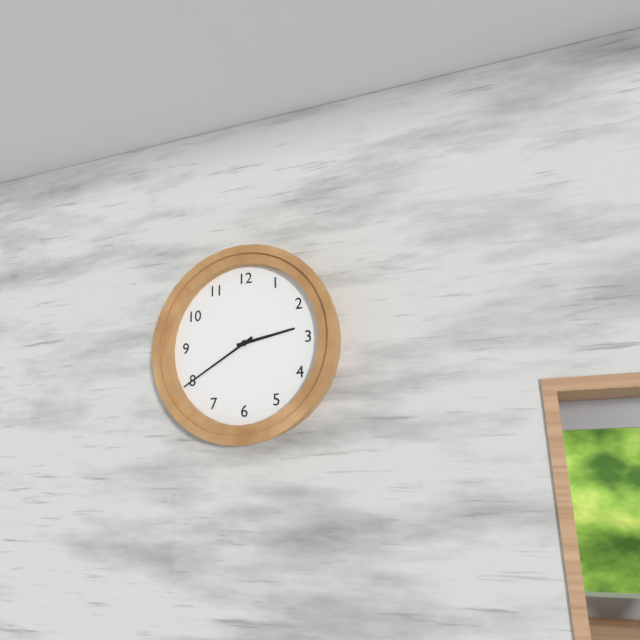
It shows 2,40
